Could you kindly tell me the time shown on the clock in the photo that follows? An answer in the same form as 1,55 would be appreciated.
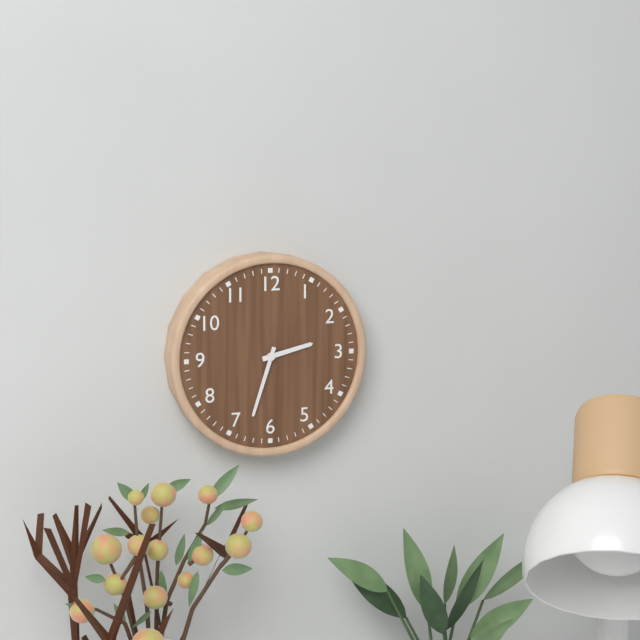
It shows 2,33
